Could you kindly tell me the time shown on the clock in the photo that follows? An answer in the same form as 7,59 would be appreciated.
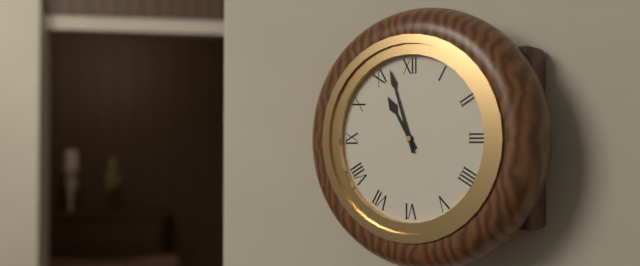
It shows 10,57
